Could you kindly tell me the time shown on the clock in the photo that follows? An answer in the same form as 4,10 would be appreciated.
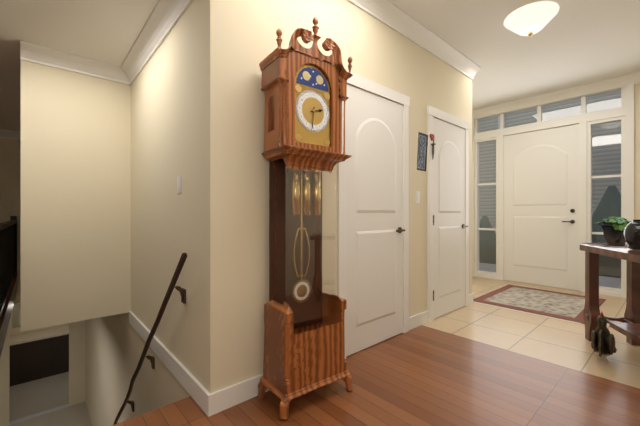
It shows 2,31
